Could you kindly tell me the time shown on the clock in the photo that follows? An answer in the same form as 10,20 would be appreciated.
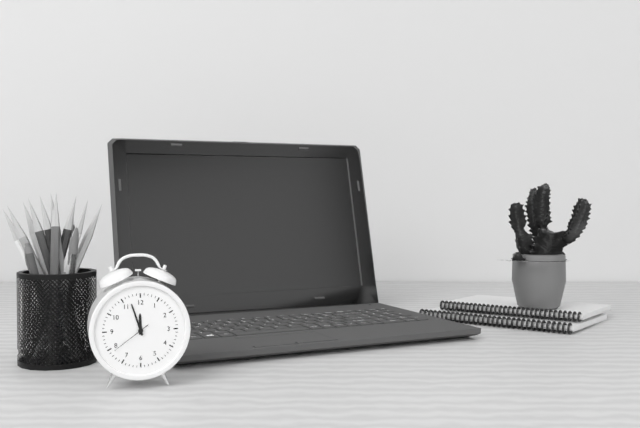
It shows 11,57
